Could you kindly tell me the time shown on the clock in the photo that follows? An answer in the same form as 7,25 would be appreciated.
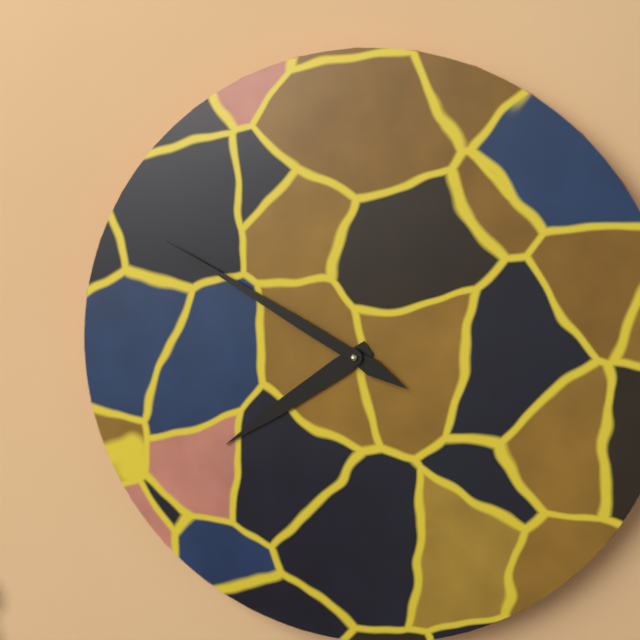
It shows 7,50
